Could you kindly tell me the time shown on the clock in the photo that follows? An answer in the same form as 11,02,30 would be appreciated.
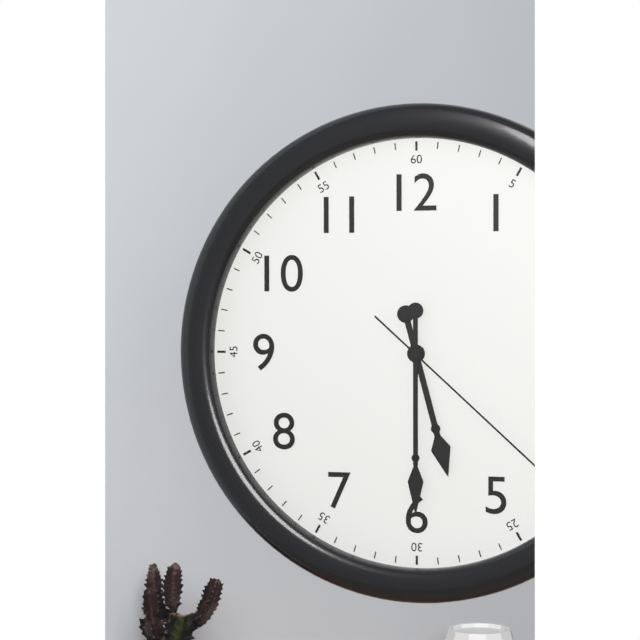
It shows 5,30,22
